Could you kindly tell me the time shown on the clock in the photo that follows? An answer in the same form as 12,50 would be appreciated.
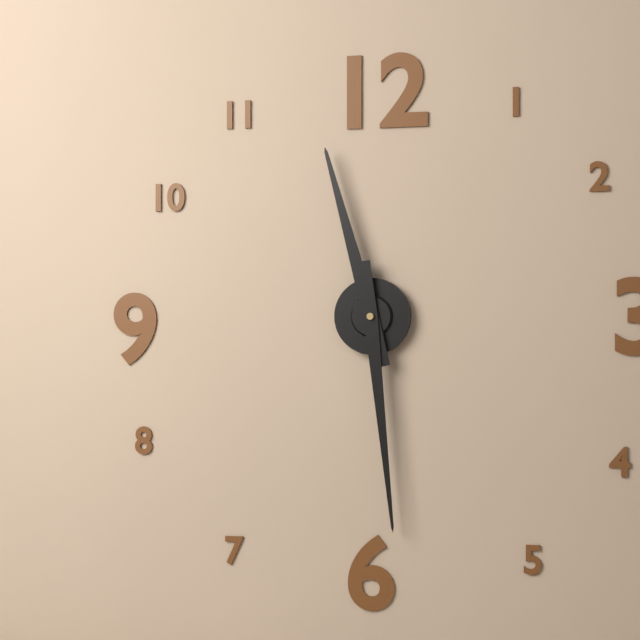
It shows 11,29
